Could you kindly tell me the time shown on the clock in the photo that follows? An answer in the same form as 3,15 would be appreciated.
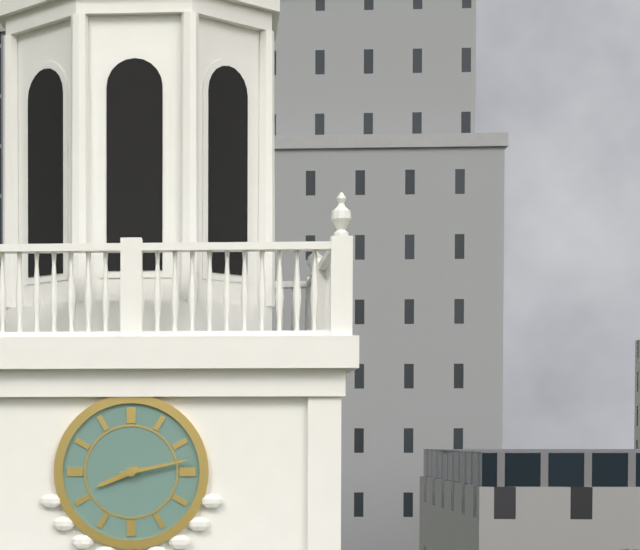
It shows 8,13
